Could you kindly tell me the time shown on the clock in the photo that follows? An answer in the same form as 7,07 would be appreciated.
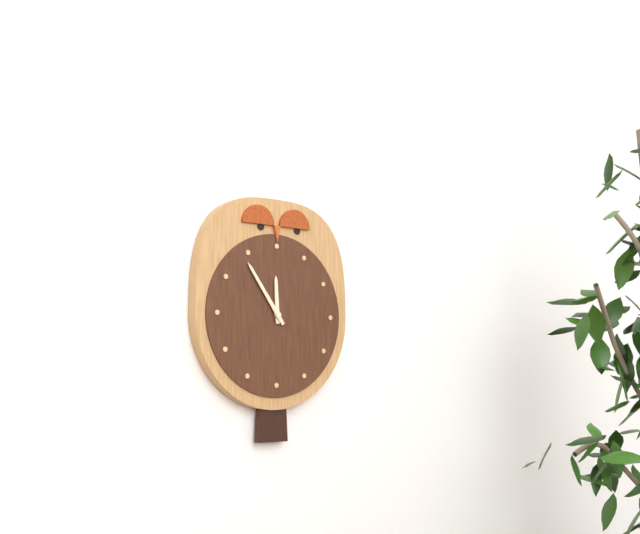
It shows 11,54
